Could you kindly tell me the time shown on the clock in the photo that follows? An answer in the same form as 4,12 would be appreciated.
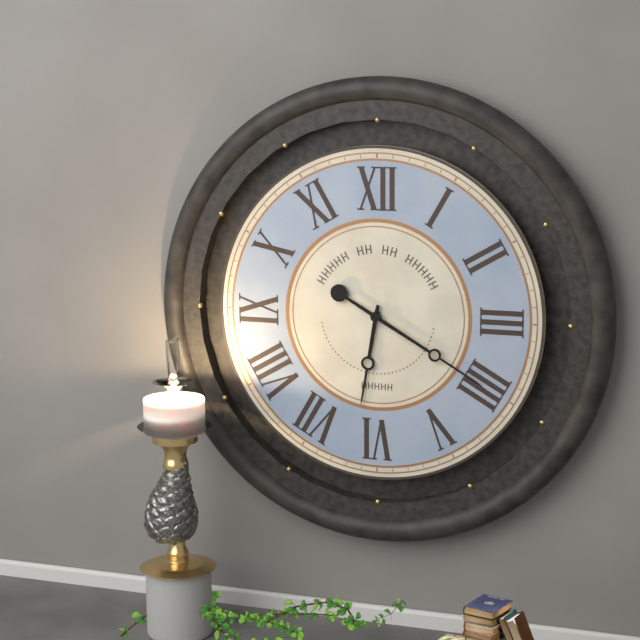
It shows 6,20
